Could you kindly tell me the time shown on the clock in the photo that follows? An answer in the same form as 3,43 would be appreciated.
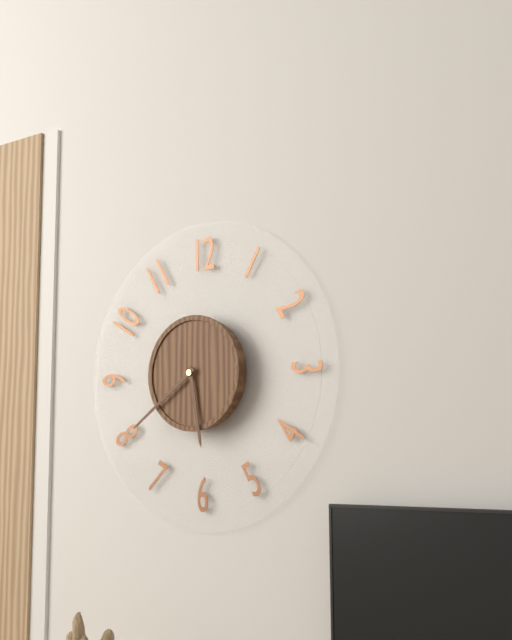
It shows 5,39
